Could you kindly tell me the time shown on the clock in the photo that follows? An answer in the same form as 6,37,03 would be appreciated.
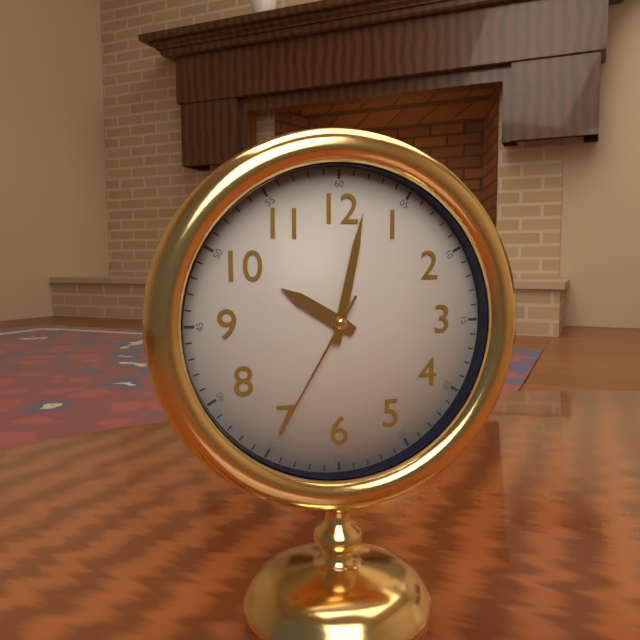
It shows 10,02,35
